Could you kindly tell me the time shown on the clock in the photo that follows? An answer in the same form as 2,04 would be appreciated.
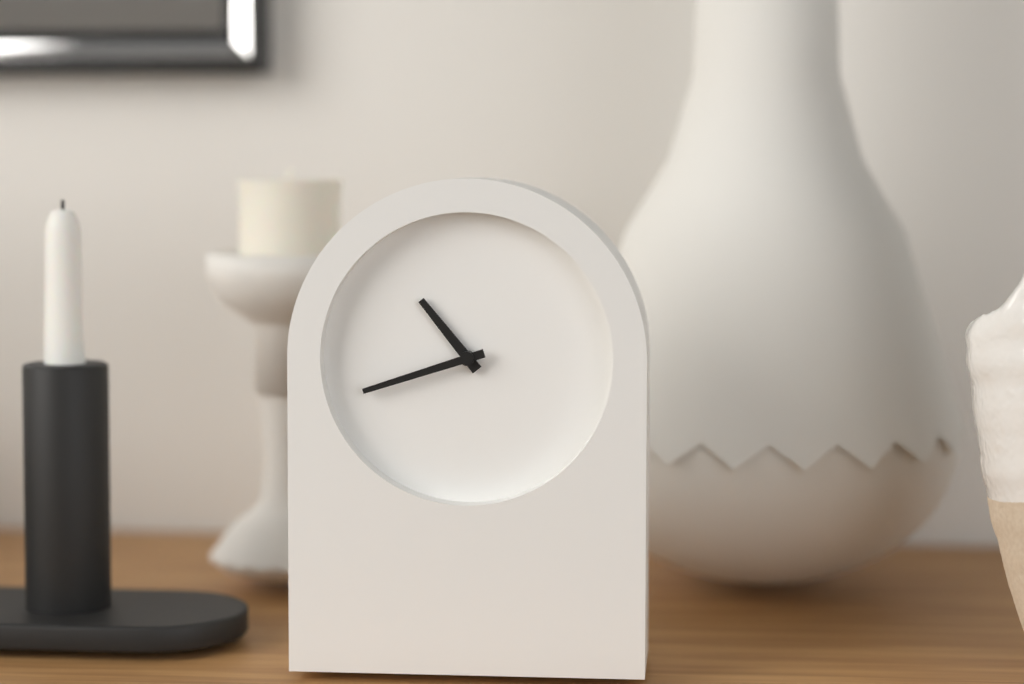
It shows 10,42
